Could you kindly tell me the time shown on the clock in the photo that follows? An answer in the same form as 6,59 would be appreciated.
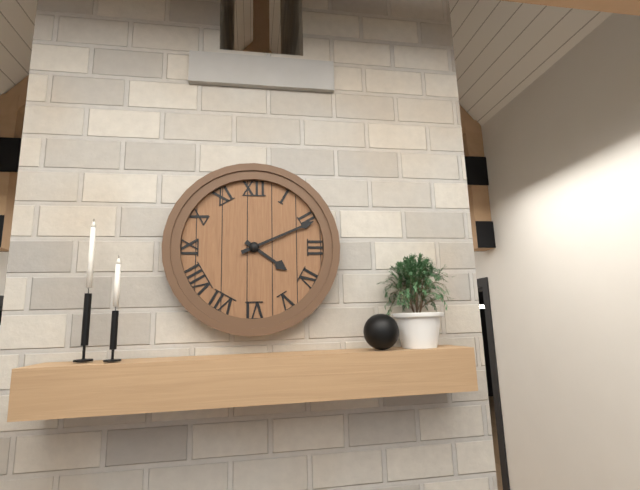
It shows 4,11
